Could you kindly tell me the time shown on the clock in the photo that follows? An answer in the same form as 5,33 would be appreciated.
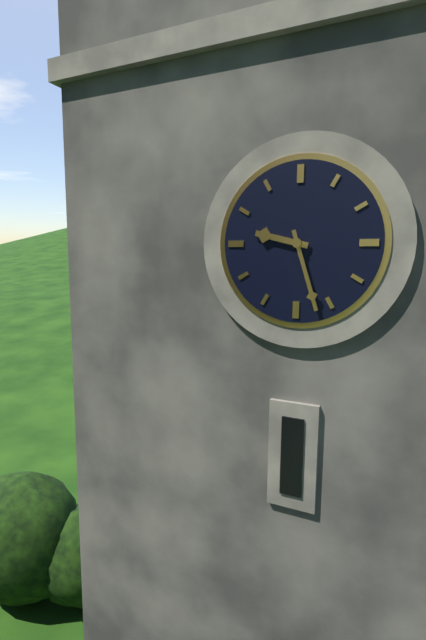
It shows 9,27
